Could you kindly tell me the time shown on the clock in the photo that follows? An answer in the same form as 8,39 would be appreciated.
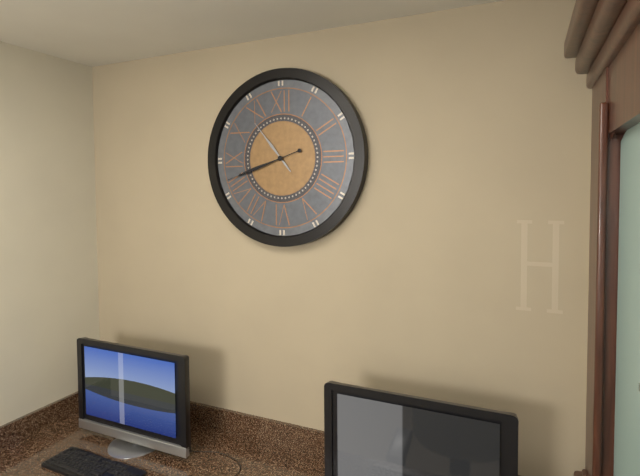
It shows 10,42
